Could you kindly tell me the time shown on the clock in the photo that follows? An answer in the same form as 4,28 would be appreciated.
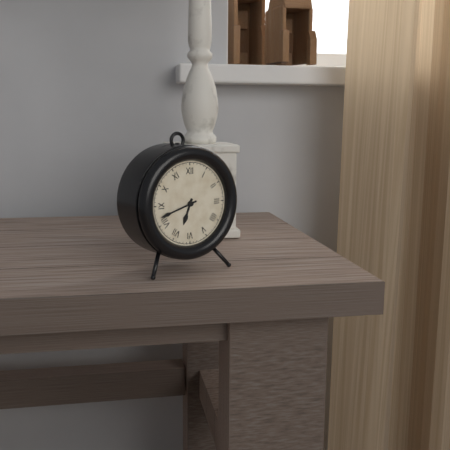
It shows 6,42
